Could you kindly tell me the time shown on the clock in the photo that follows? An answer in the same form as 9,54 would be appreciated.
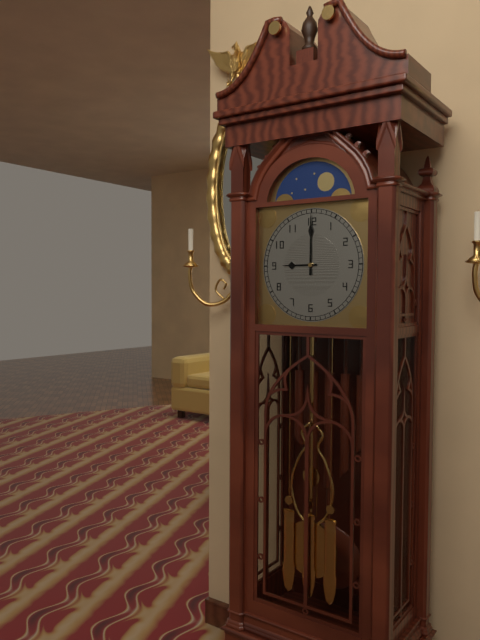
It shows 9,00
